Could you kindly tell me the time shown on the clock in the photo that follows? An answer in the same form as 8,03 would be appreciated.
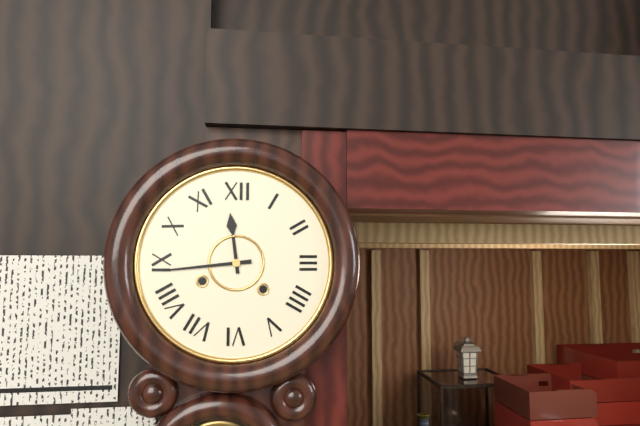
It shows 11,44
